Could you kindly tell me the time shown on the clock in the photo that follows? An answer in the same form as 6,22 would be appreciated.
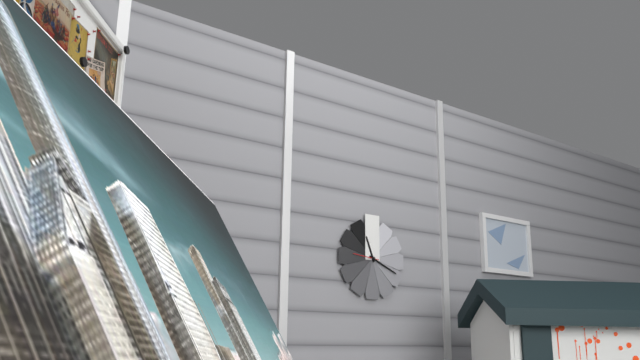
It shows 11,19
